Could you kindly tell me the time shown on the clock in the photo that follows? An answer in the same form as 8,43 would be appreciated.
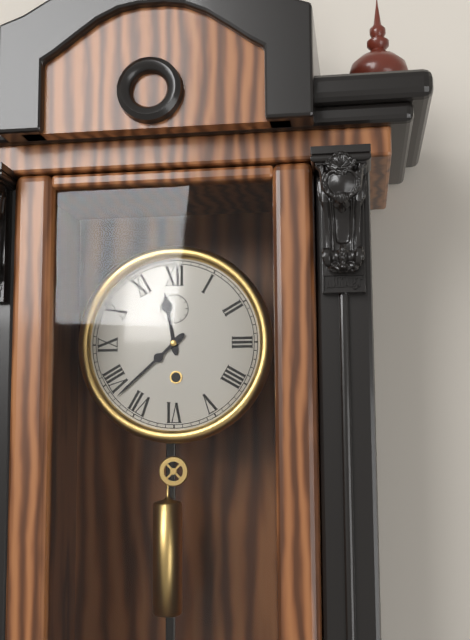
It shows 11,38
